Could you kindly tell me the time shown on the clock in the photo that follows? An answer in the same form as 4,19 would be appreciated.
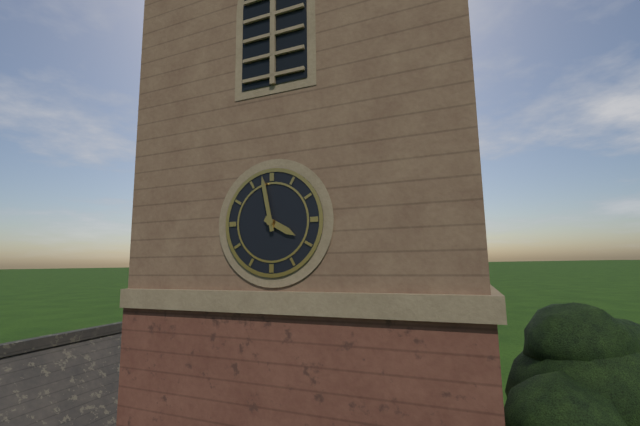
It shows 3,58
